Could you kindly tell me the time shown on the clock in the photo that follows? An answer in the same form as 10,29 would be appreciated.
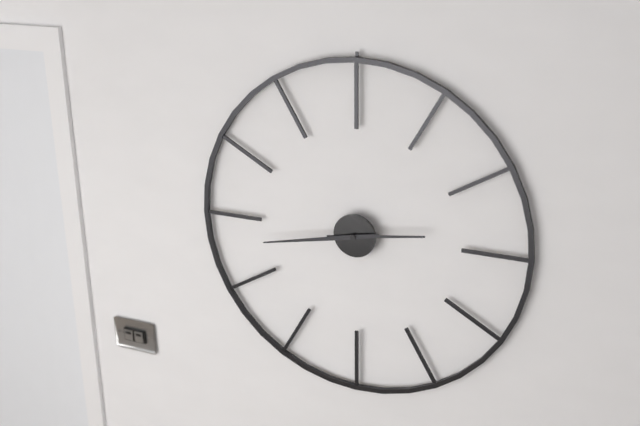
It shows 2,43
